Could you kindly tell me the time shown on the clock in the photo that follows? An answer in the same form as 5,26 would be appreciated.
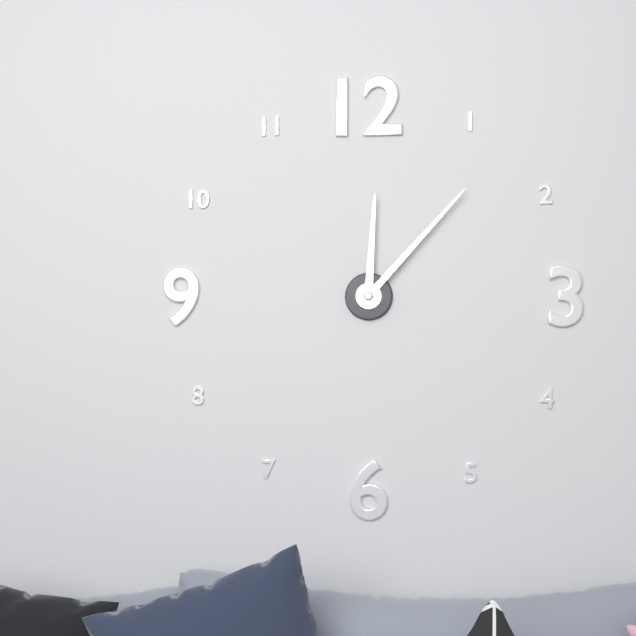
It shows 12,07
